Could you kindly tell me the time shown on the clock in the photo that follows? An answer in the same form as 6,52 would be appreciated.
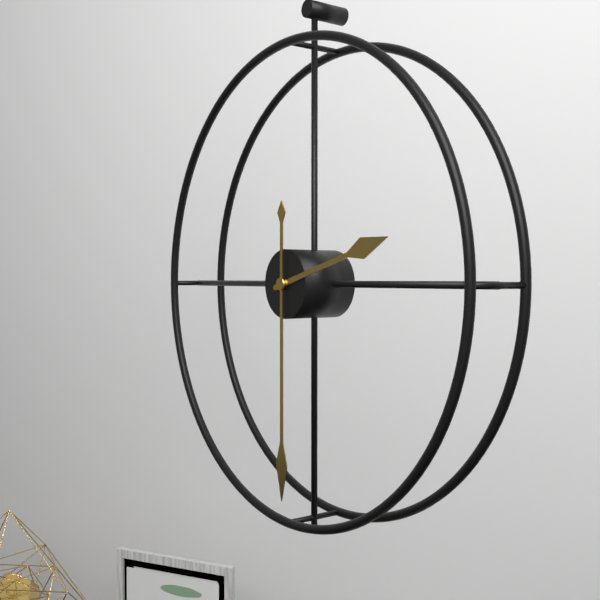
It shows 2,30
